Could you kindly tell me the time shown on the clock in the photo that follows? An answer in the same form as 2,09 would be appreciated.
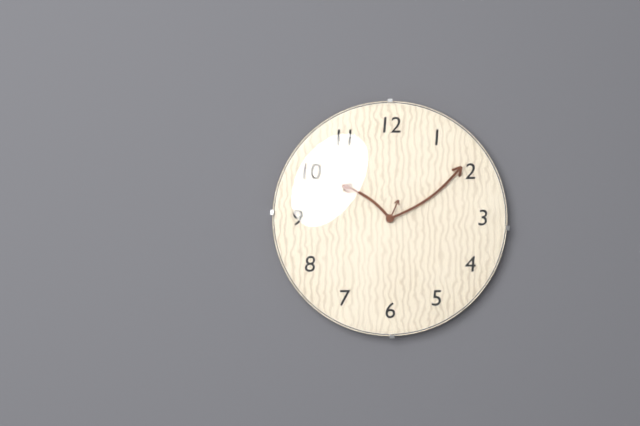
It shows 10,09
